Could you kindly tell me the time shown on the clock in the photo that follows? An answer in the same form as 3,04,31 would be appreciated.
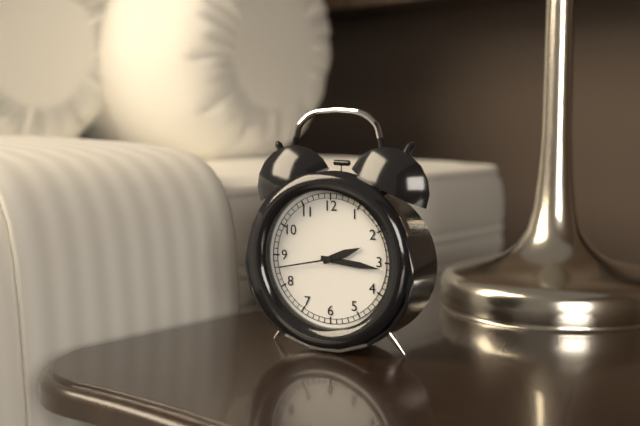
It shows 2,16,43
